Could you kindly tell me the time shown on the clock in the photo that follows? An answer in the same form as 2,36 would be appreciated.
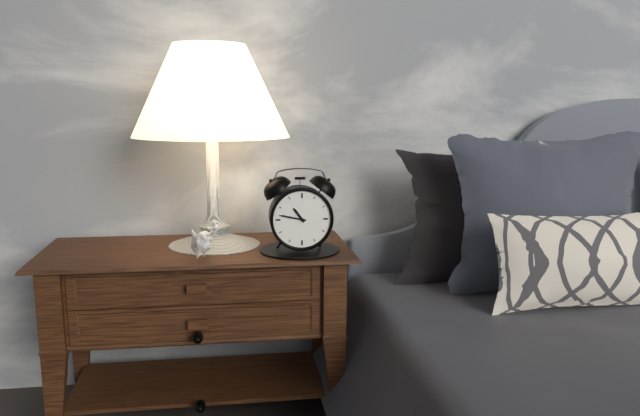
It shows 10,47
